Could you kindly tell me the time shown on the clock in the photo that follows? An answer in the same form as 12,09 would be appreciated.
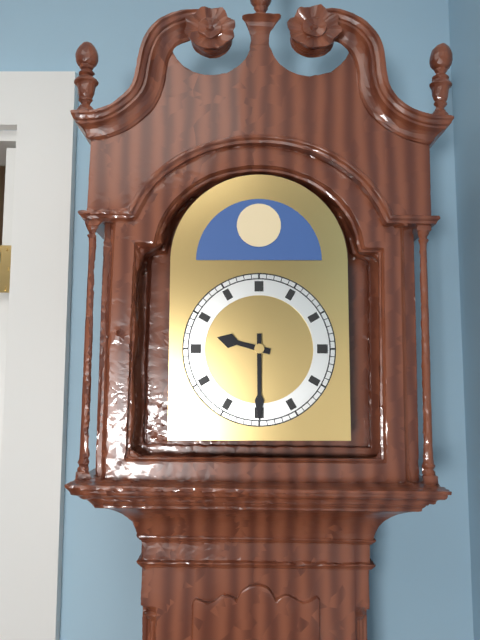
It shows 9,30
